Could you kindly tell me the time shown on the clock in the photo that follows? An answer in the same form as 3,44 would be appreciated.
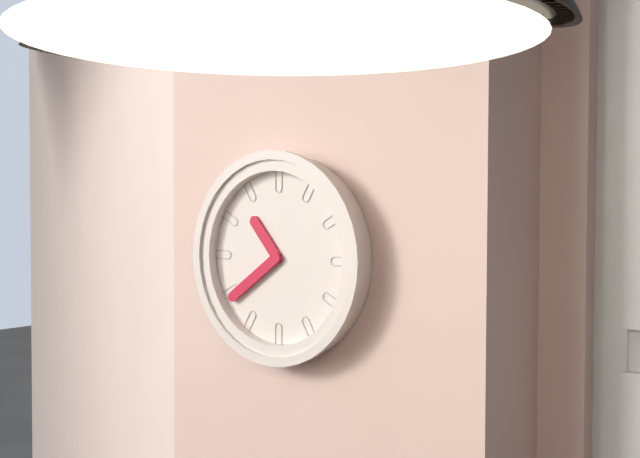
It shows 10,39
